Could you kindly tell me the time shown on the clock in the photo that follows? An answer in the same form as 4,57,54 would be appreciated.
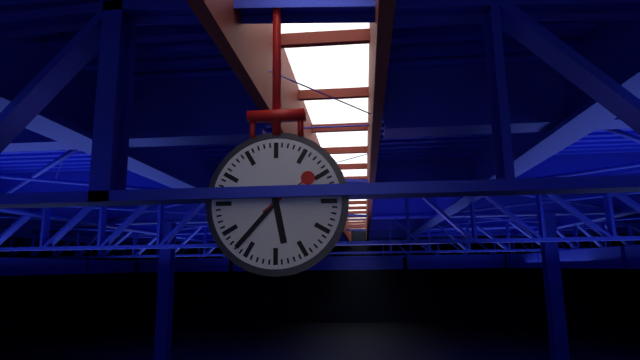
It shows 5,37,09
